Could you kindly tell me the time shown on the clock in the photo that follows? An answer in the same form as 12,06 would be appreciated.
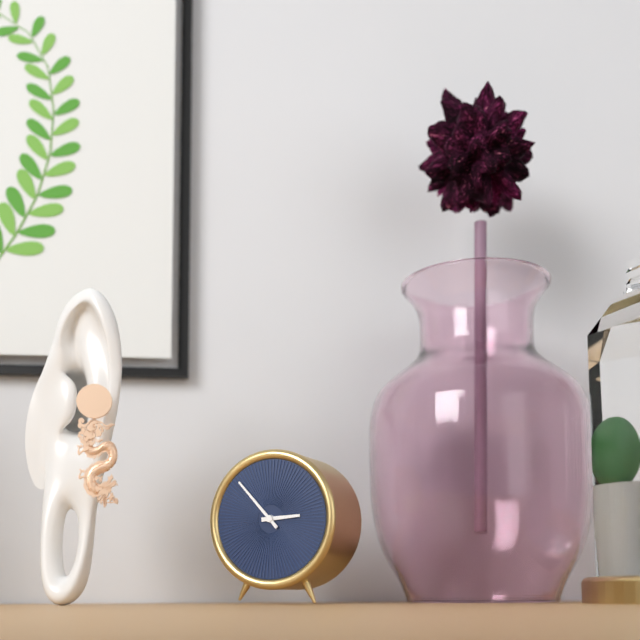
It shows 2,53
